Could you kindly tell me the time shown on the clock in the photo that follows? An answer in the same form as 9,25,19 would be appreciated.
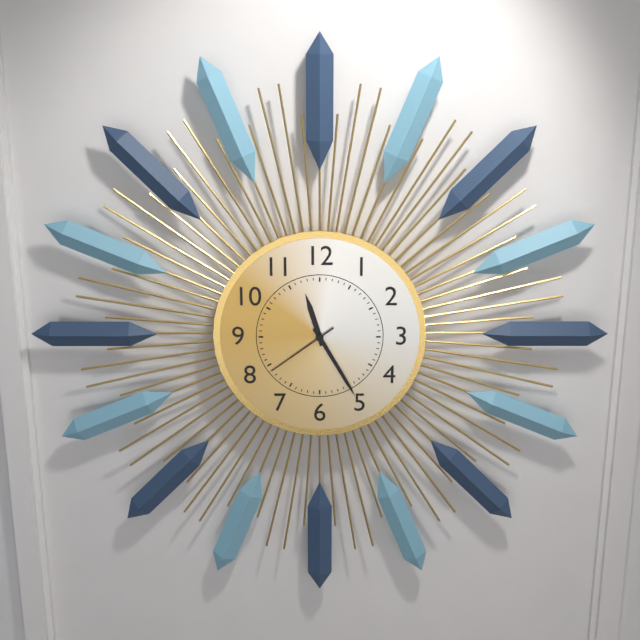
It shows 11,25,39
